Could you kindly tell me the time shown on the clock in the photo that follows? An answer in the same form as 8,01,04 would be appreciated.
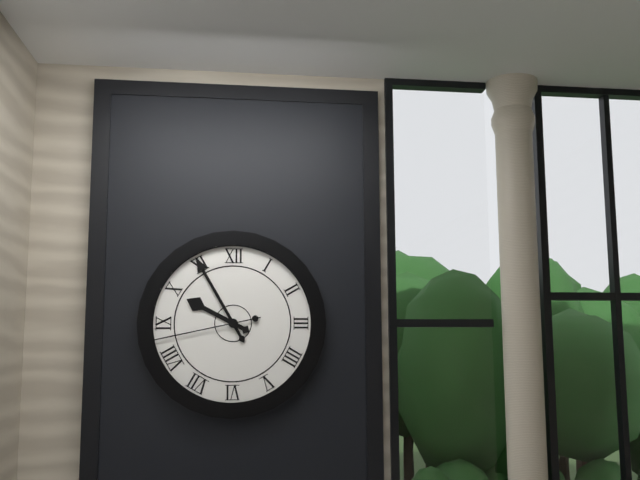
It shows 9,55,43
